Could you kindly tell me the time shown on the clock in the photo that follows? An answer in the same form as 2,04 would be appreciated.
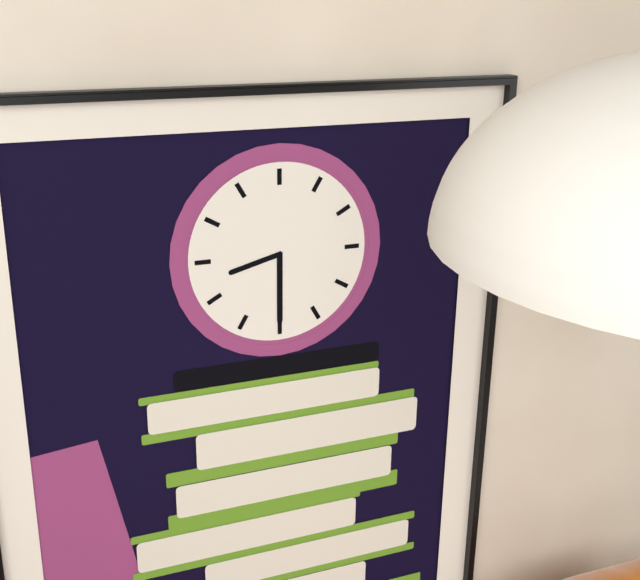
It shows 8,30
